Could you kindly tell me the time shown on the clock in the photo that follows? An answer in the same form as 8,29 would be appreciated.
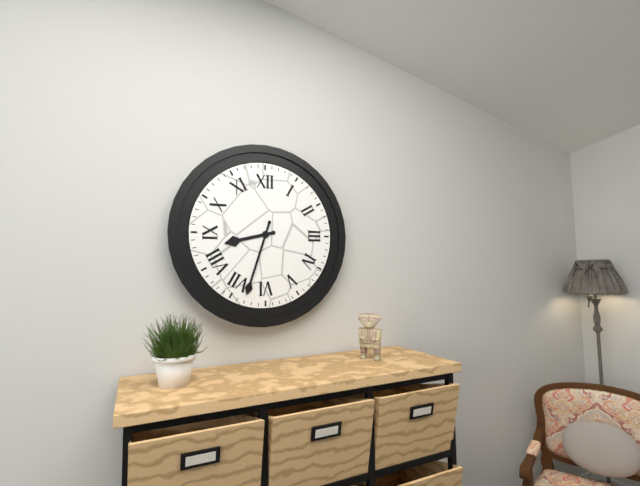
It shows 8,33
